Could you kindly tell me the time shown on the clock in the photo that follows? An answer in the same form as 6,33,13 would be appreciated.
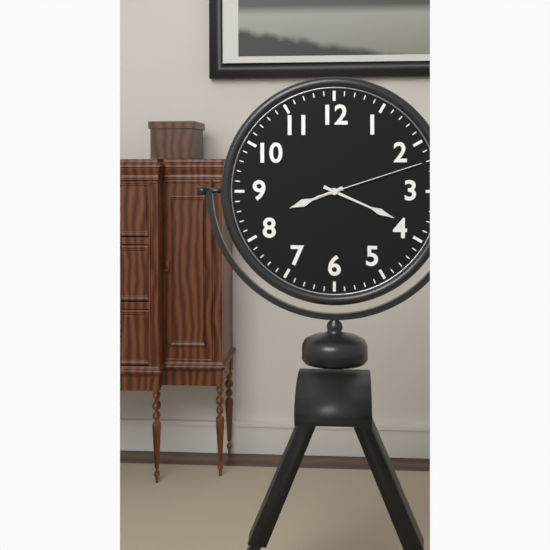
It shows 8,19,12
